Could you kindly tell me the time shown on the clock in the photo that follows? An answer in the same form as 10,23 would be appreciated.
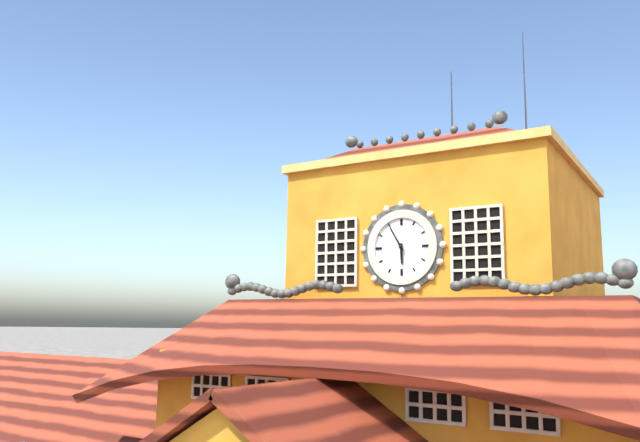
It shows 5,55
